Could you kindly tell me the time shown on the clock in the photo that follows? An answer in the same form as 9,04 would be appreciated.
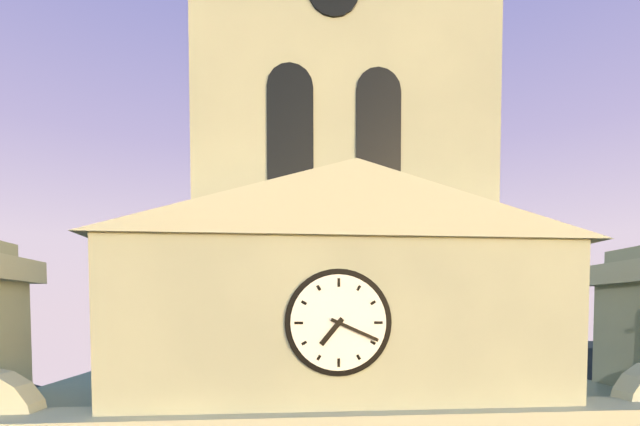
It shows 7,19
